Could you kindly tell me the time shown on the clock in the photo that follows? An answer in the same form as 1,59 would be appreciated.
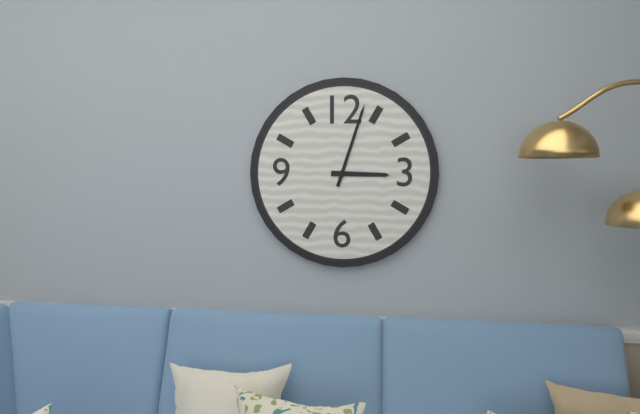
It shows 3,03
